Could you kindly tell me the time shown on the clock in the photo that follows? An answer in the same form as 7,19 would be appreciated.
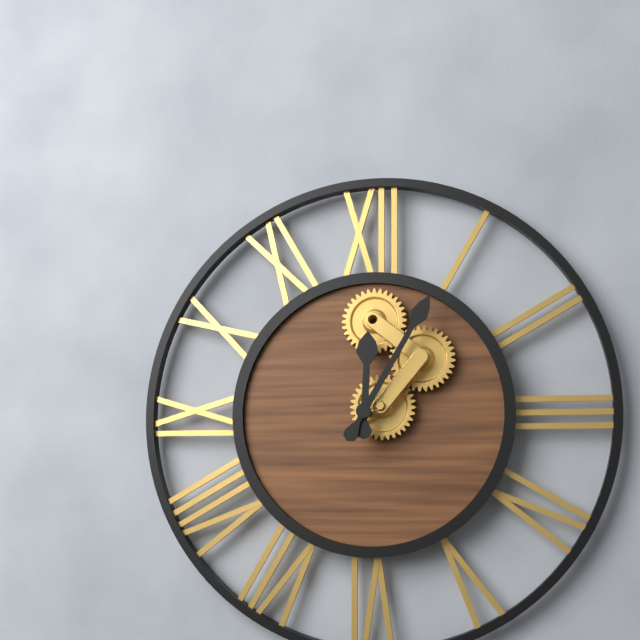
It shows 12,05
